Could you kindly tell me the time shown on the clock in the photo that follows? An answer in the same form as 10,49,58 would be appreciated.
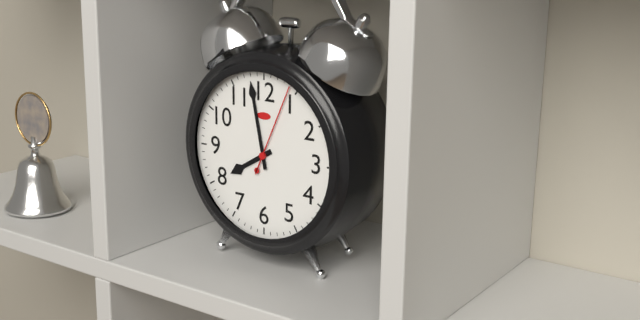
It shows 7,58,04
